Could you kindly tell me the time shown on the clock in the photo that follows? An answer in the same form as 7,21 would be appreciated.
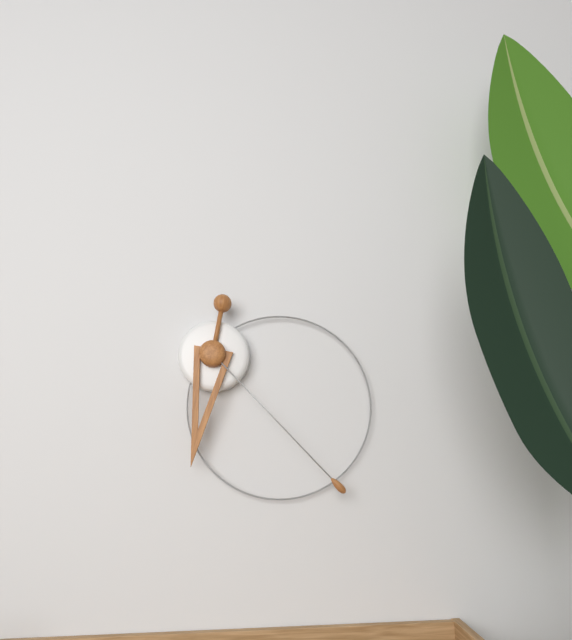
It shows 6,23
